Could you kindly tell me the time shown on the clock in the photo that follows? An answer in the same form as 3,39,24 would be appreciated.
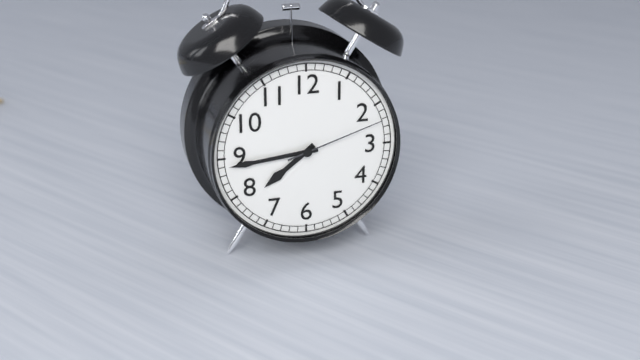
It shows 7,44,12
